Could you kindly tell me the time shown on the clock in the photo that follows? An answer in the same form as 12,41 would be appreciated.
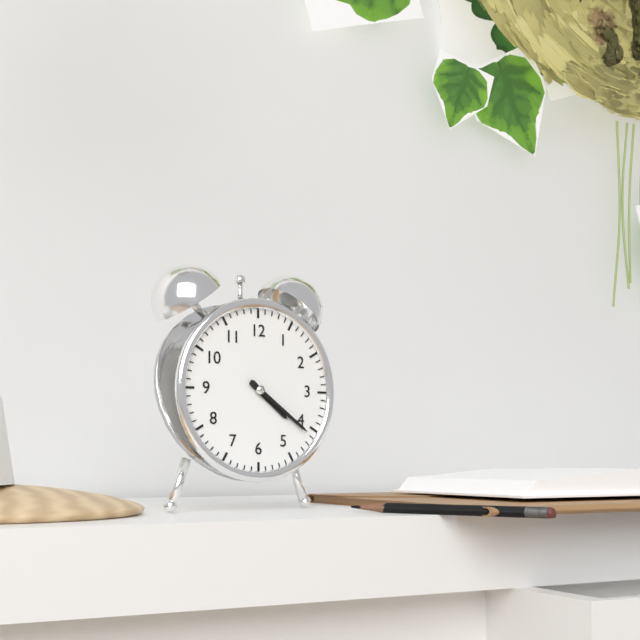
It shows 4,21
